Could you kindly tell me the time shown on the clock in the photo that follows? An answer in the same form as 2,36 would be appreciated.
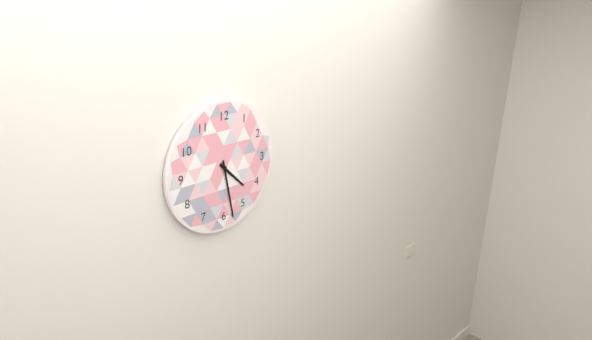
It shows 4,28
